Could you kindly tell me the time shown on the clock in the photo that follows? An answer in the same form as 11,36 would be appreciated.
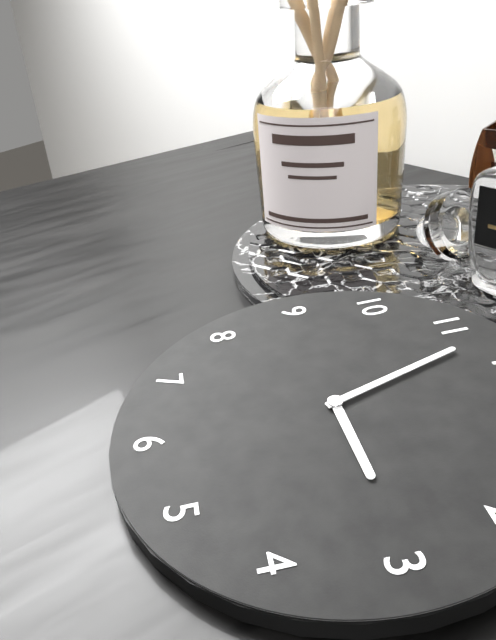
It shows 2,57
